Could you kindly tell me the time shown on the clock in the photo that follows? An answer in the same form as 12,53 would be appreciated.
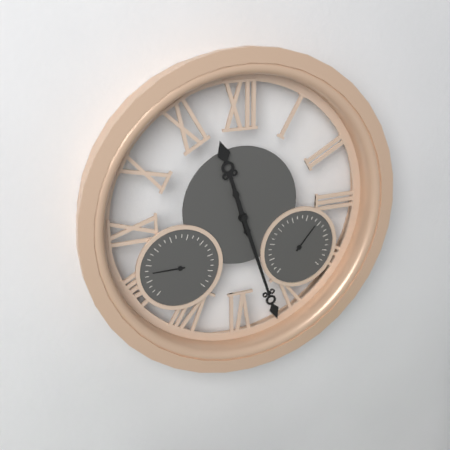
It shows 11,27
